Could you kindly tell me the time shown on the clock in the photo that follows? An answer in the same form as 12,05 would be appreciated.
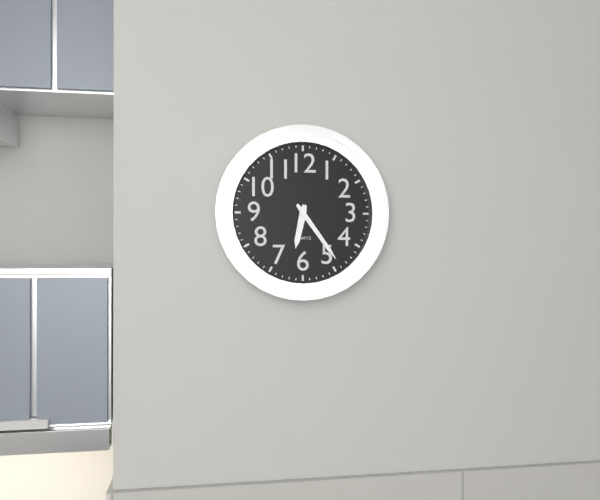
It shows 6,24
